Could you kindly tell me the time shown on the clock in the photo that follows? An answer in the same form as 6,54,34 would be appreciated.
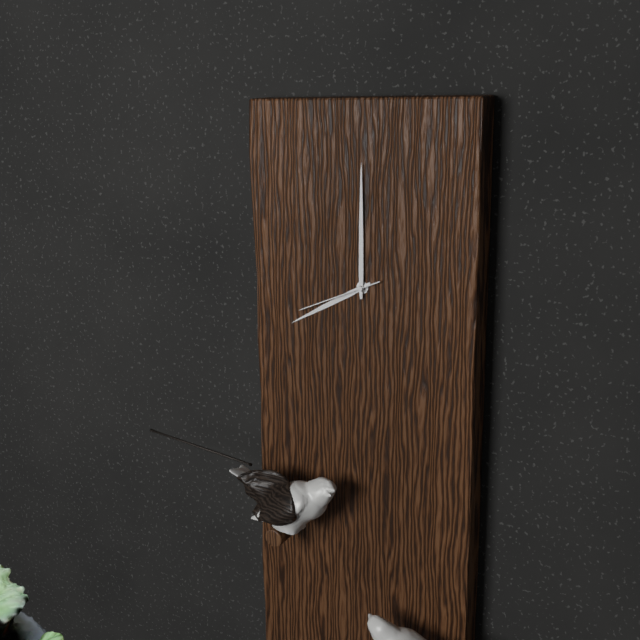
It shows 8,00,41
